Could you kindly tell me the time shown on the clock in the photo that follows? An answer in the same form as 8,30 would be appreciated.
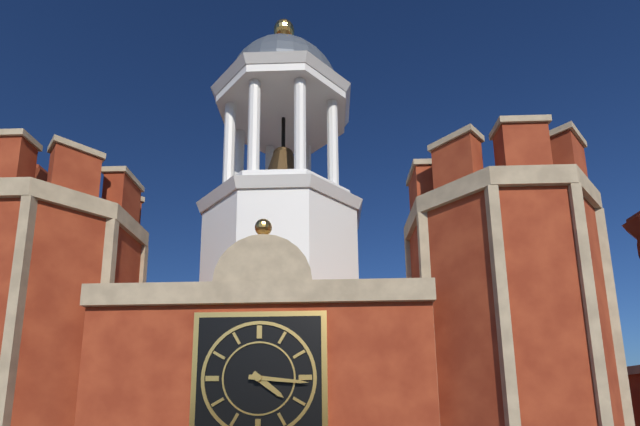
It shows 4,16
